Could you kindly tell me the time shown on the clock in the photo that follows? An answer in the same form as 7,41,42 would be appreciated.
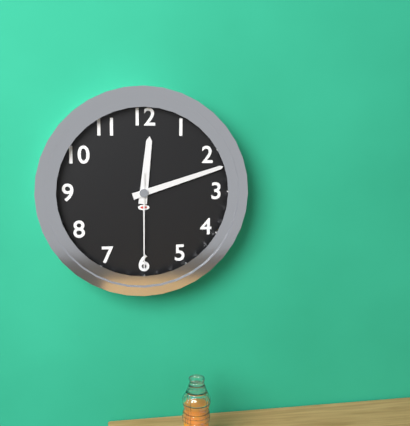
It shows 12,12,30
